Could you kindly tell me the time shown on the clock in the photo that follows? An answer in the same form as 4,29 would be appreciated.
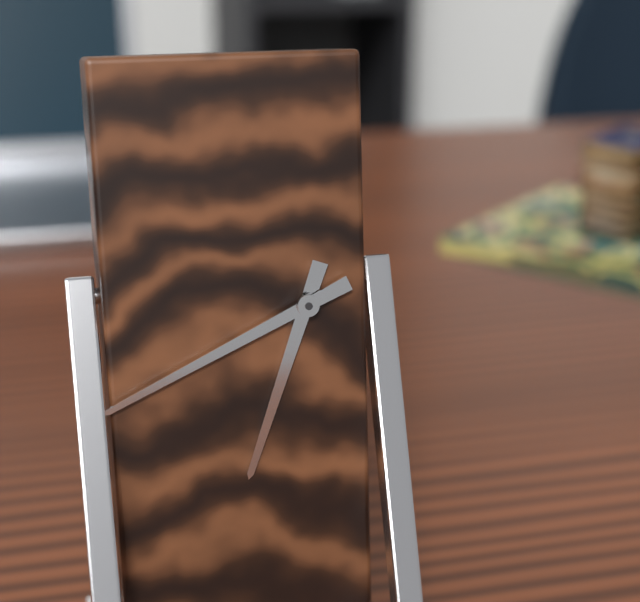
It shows 6,41
